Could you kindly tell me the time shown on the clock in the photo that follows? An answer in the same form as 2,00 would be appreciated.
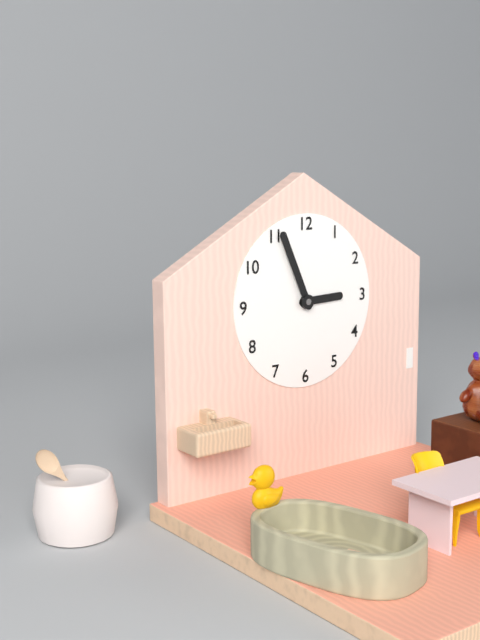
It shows 2,56
